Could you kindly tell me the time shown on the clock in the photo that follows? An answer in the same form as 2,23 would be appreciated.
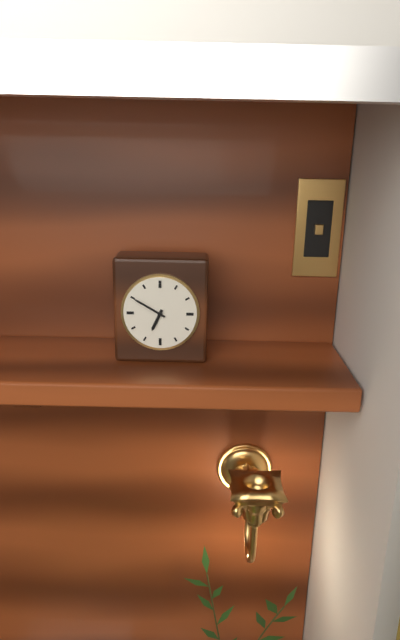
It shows 6,50
